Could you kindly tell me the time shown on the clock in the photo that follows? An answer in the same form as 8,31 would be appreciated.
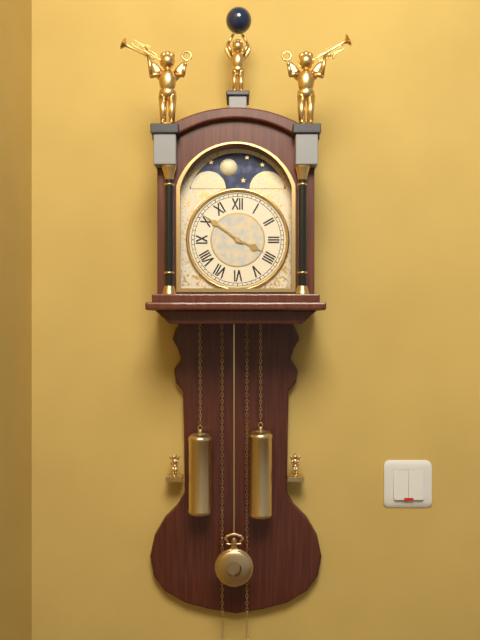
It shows 3,51
